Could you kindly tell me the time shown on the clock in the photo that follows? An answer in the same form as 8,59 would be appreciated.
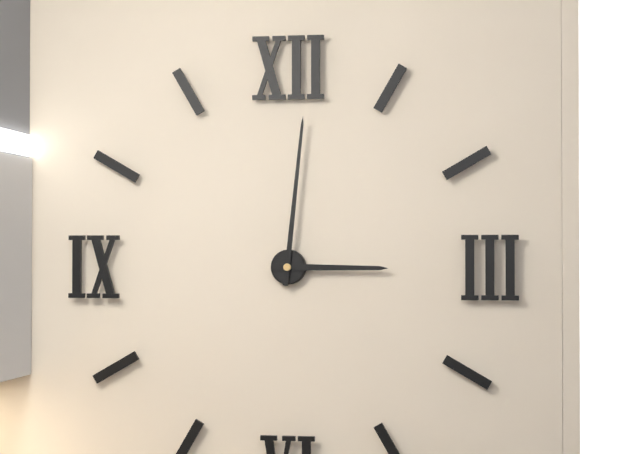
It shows 3,01
